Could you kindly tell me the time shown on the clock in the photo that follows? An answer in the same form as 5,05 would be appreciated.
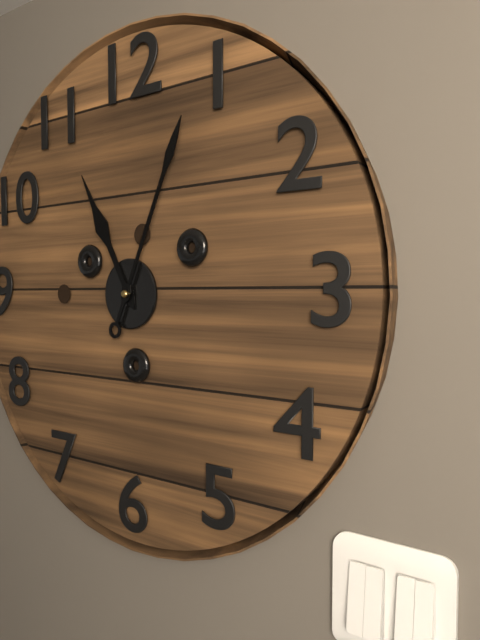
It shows 11,04
